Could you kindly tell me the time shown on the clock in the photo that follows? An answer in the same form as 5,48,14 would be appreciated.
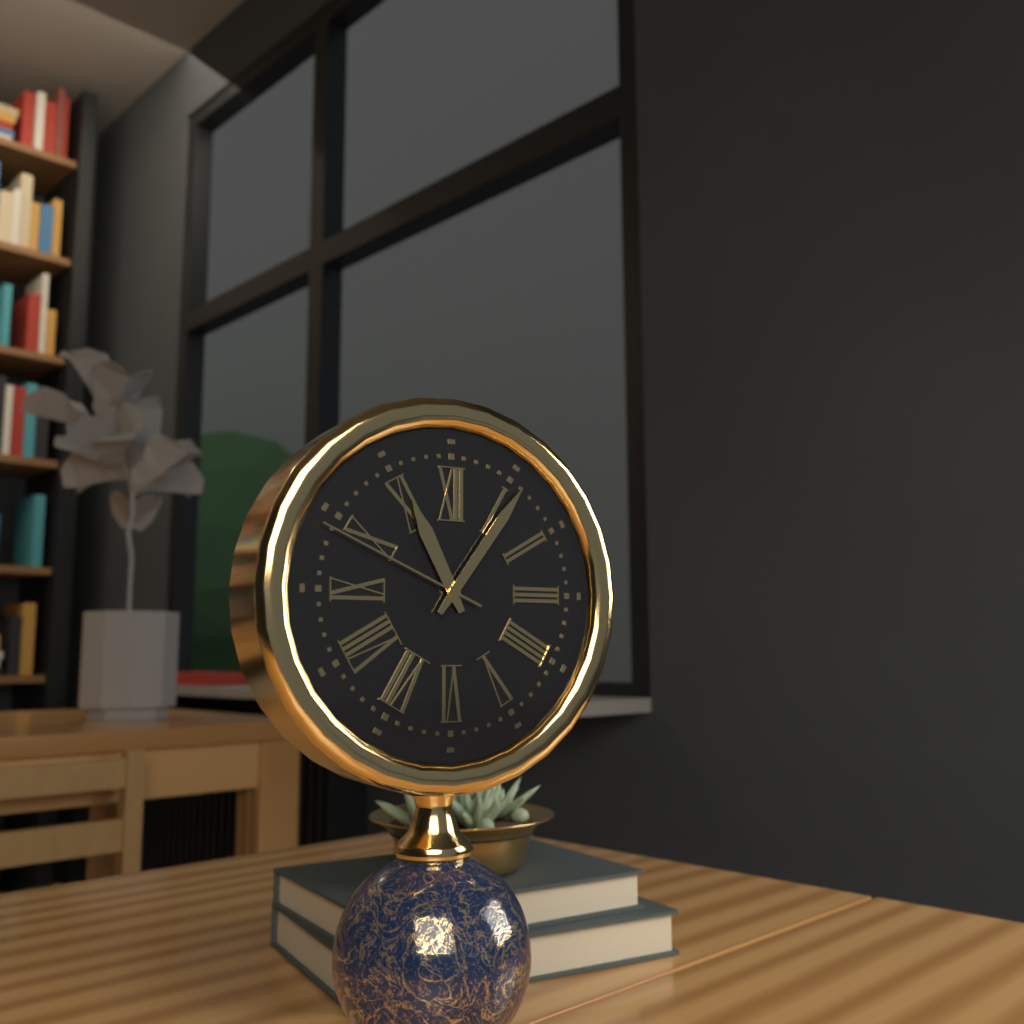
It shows 11,06,49
